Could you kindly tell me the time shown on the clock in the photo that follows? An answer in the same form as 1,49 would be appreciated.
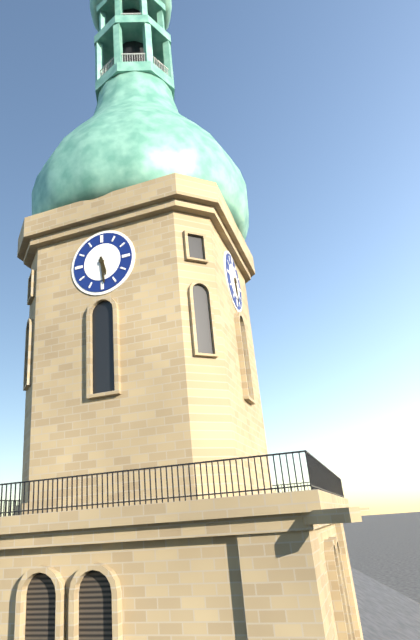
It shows 5,29
